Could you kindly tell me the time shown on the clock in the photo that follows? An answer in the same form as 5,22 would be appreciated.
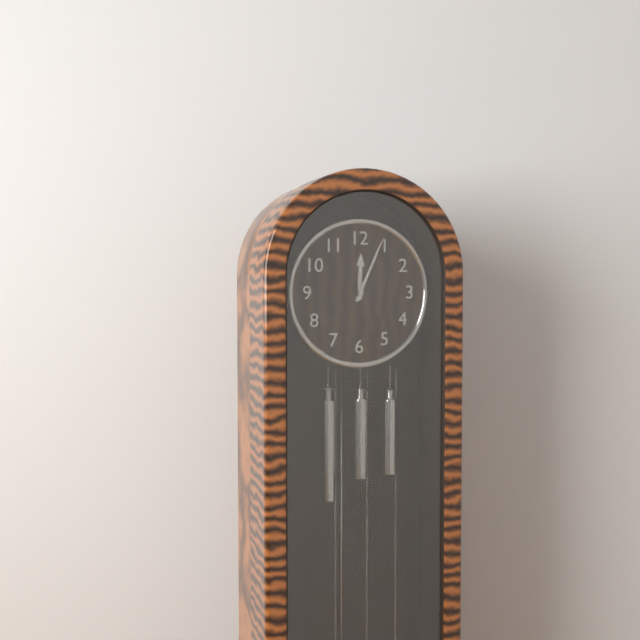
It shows 12,04
